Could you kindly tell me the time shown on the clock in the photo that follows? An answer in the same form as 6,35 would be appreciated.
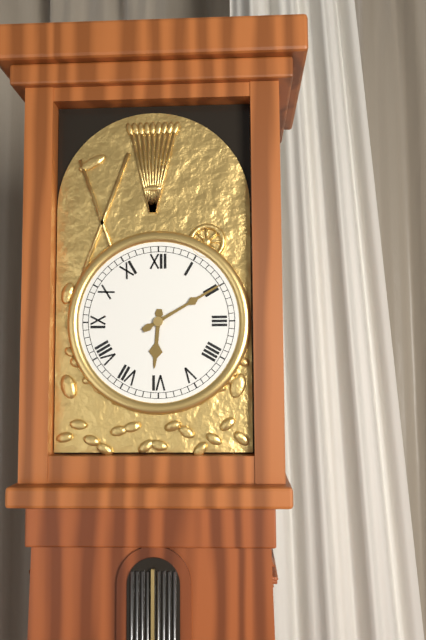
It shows 6,10
